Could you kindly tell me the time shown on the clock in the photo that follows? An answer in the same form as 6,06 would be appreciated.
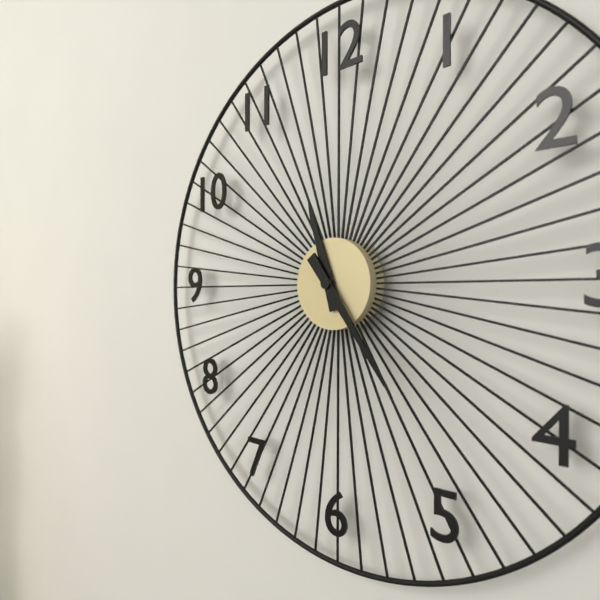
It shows 11,24
